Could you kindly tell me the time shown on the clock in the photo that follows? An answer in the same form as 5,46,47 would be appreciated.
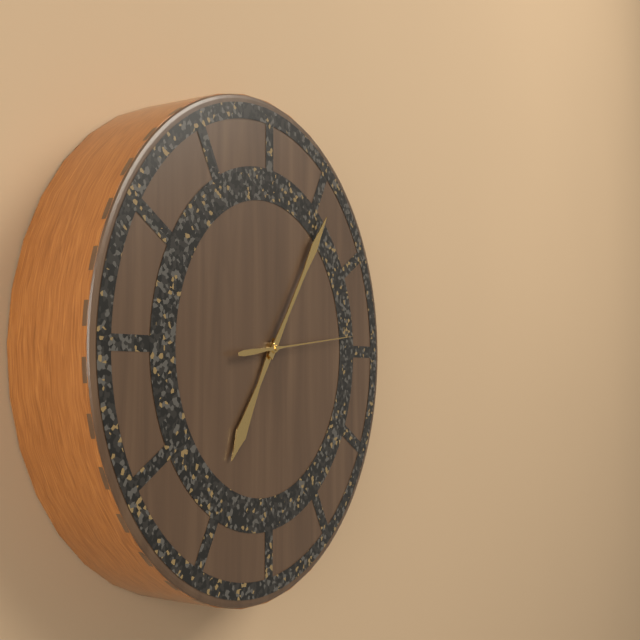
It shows 7,06,14
